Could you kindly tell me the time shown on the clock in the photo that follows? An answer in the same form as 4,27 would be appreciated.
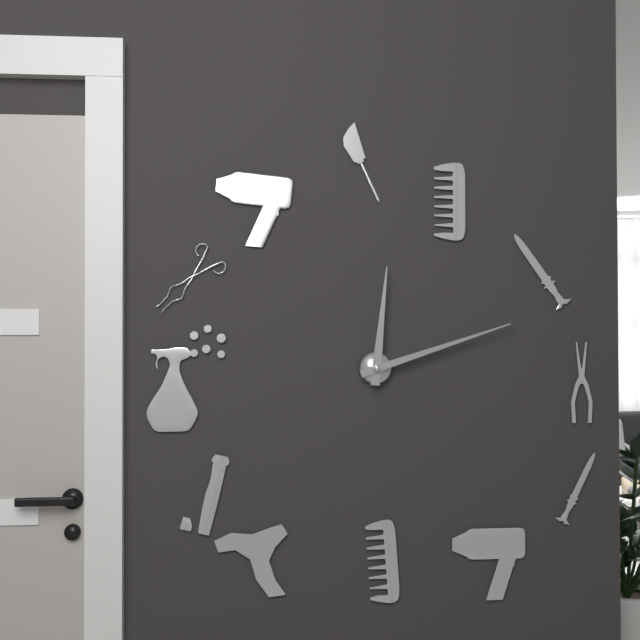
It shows 12,12
